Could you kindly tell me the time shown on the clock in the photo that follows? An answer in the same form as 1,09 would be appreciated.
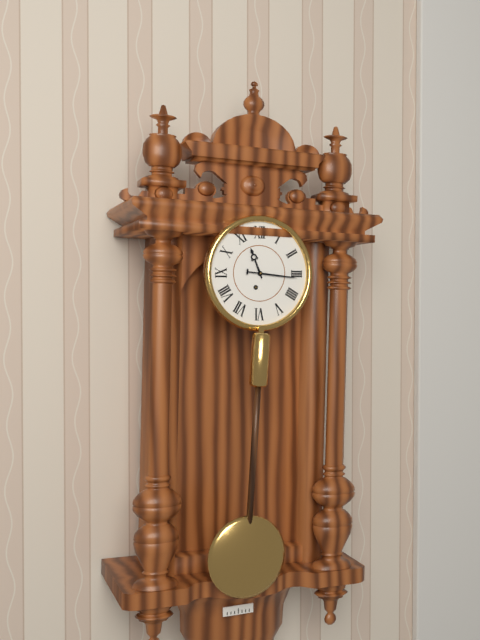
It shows 11,16
